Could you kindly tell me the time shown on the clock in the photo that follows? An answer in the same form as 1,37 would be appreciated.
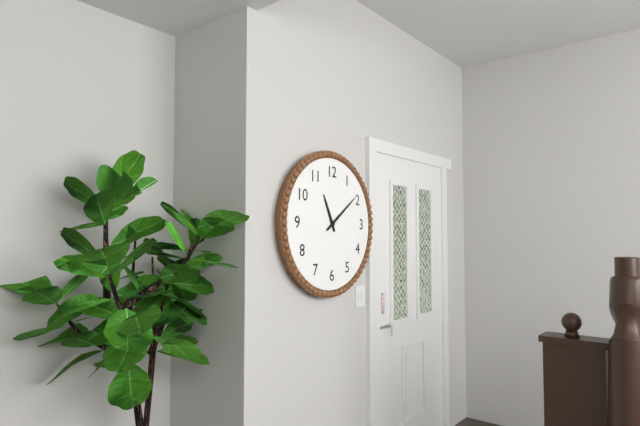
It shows 11,09
